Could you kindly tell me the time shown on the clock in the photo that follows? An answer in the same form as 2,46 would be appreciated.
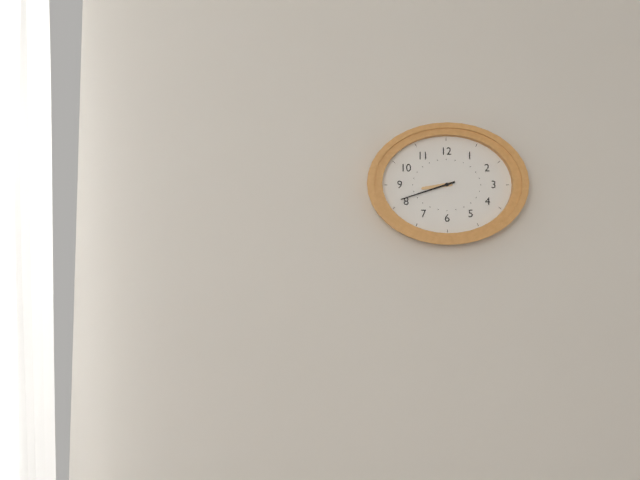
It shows 8,42
